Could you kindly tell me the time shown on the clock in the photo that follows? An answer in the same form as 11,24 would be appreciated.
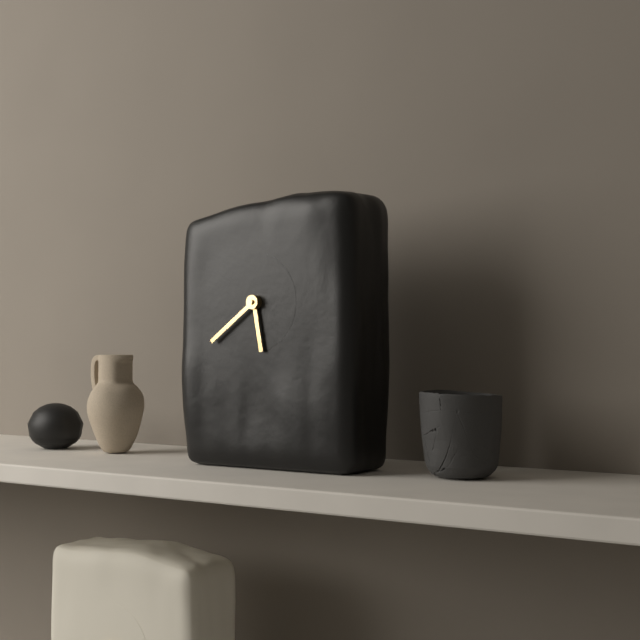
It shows 5,39
